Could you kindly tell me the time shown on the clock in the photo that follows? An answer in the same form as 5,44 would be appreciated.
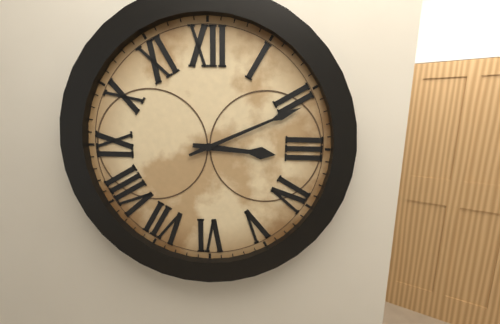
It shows 3,11
